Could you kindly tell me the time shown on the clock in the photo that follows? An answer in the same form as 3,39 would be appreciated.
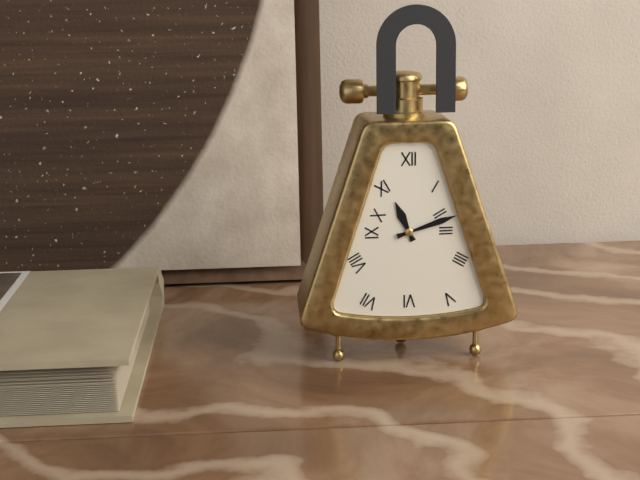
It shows 11,12
